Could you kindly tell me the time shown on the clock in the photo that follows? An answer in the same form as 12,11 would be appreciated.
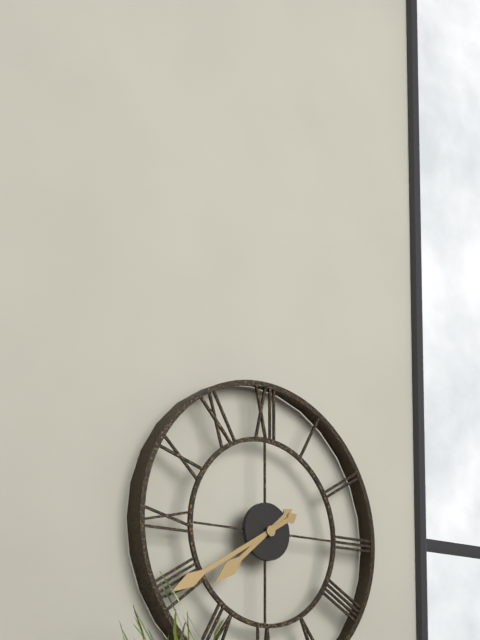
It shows 7,40
